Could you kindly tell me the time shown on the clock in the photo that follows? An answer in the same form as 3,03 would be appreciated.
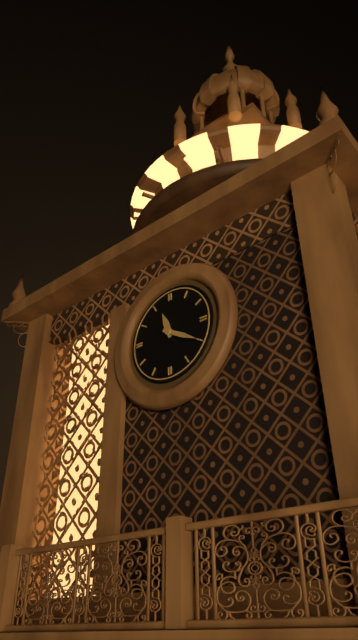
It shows 11,20
